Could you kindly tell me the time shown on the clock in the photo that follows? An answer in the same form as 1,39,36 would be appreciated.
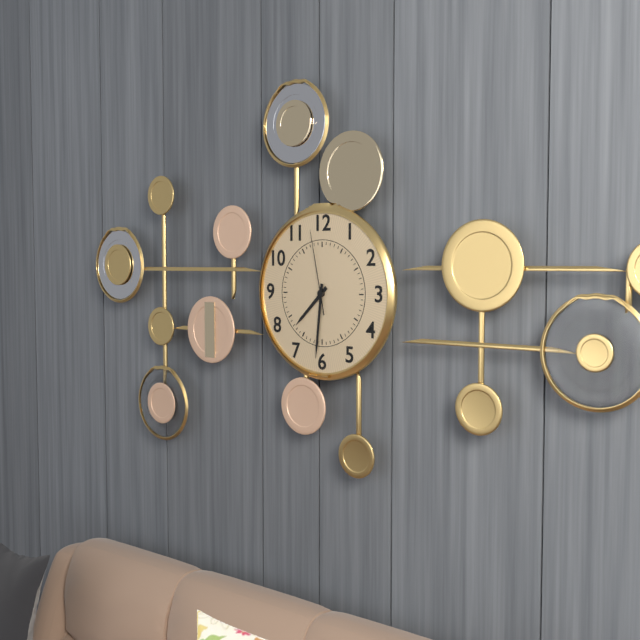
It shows 7,31,58
